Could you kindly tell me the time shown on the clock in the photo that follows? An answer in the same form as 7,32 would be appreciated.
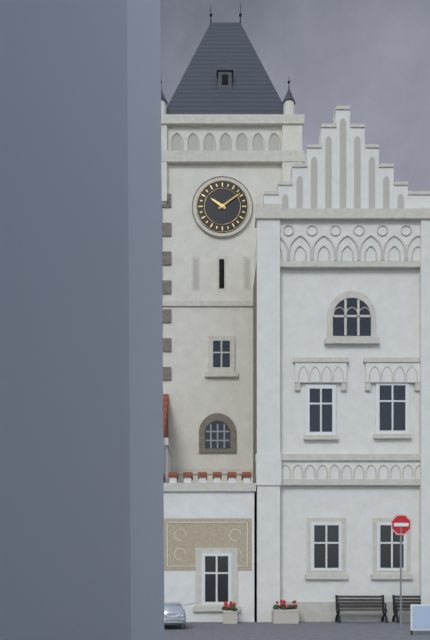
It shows 10,09
